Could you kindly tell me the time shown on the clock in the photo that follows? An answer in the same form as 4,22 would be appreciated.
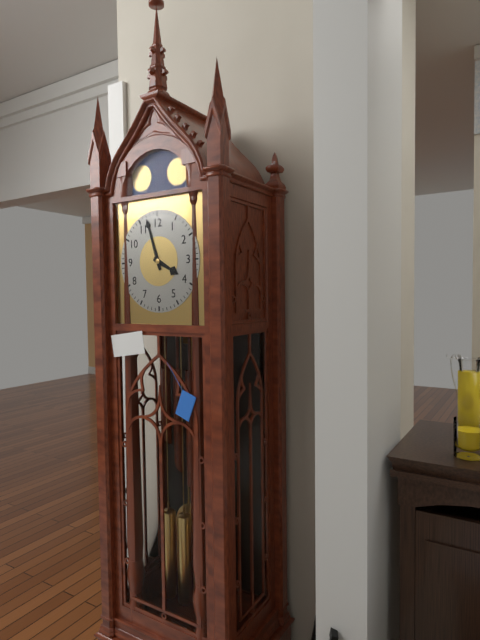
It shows 3,57
